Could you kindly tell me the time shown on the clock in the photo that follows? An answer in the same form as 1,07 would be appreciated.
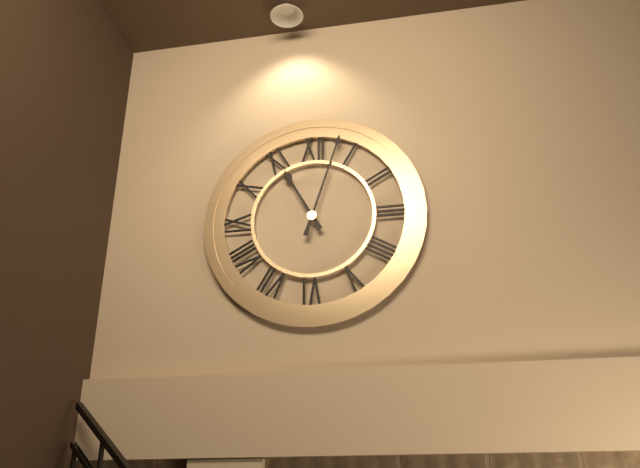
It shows 11,03
